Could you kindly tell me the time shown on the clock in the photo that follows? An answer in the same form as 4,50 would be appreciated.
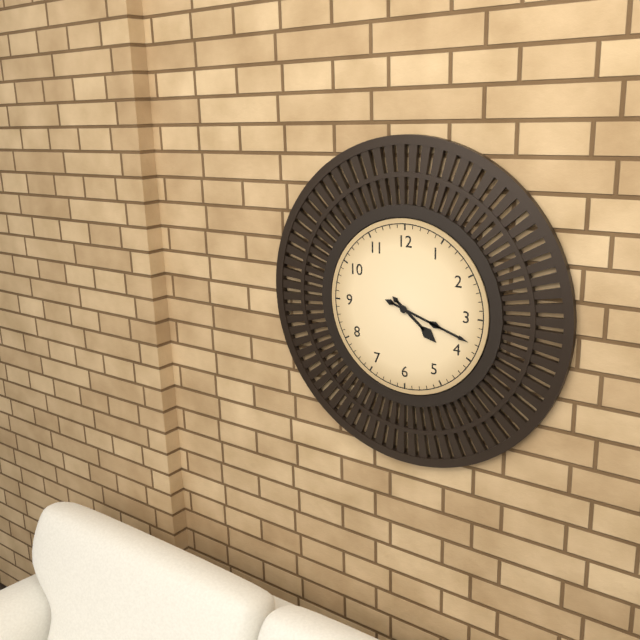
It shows 4,18
